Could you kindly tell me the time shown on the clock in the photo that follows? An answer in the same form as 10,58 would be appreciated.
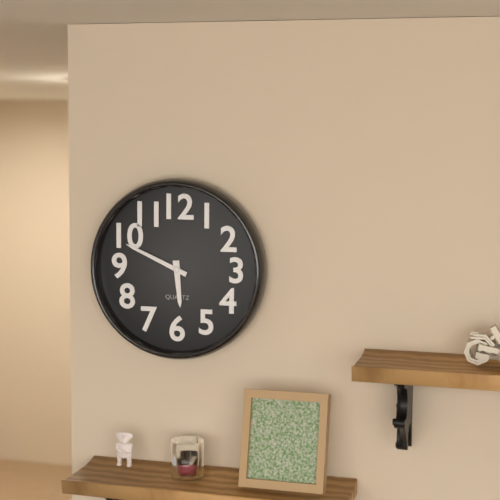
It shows 5,49
